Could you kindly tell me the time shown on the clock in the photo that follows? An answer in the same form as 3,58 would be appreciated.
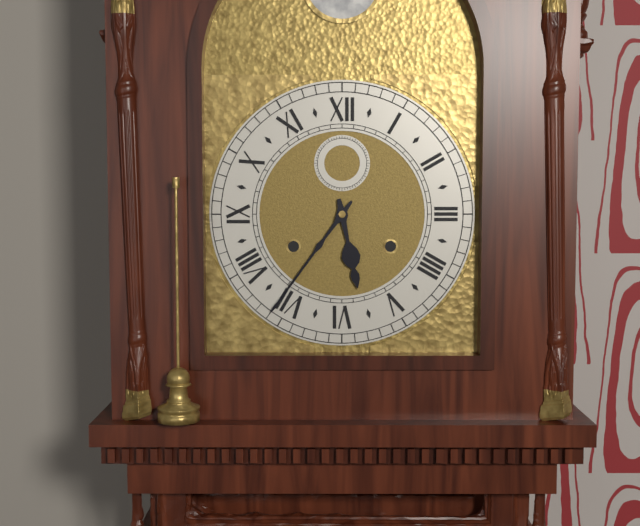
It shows 5,36
